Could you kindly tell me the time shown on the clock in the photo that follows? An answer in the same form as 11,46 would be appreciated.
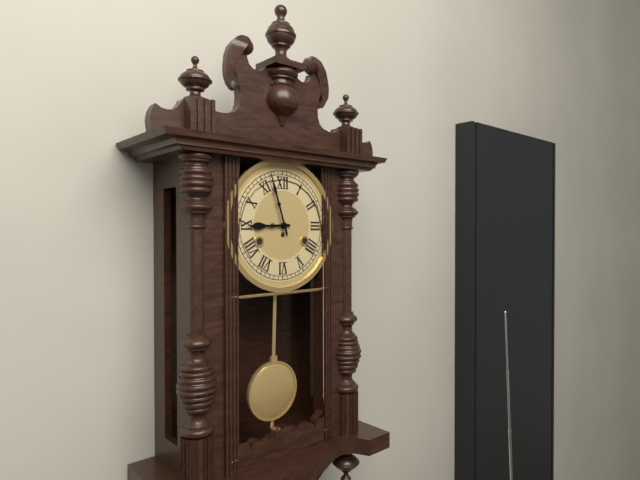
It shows 8,57
